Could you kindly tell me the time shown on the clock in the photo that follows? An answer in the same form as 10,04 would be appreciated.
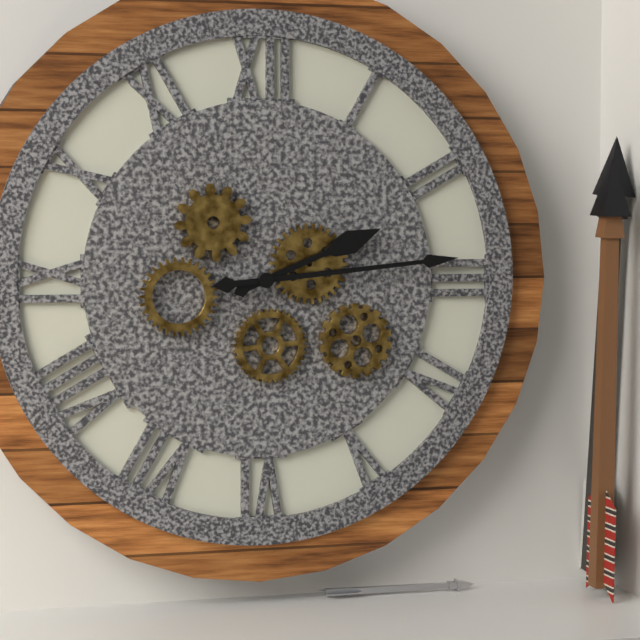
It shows 2,14
